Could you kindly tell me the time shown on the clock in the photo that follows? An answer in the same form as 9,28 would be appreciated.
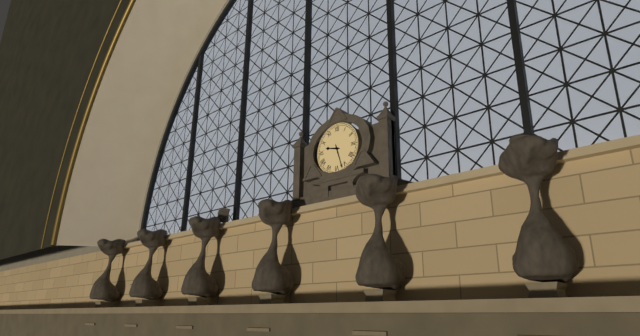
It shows 9,27
